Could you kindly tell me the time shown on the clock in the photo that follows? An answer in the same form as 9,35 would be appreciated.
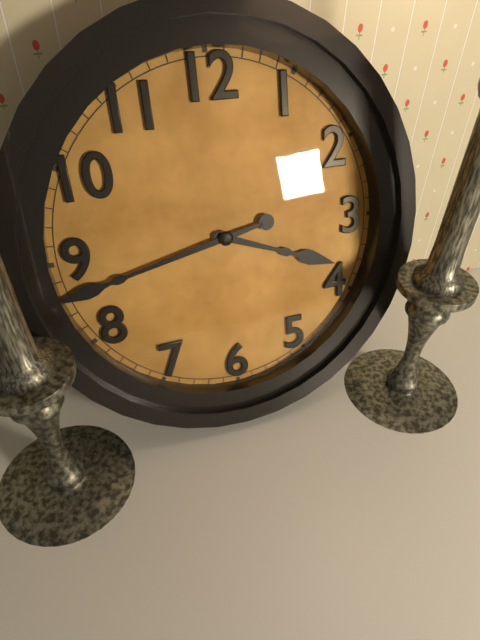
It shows 3,43
